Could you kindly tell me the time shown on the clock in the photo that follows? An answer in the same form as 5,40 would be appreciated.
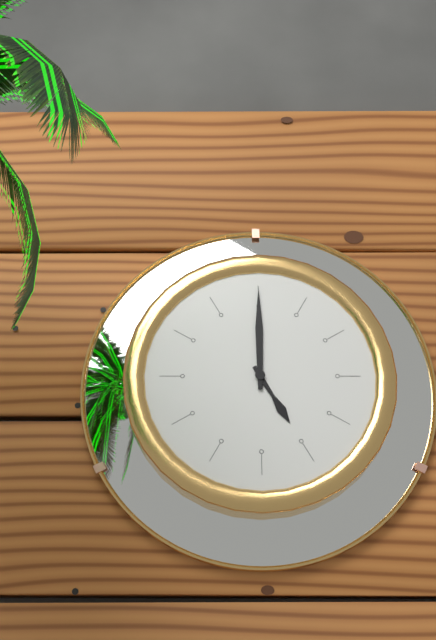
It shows 5,00
